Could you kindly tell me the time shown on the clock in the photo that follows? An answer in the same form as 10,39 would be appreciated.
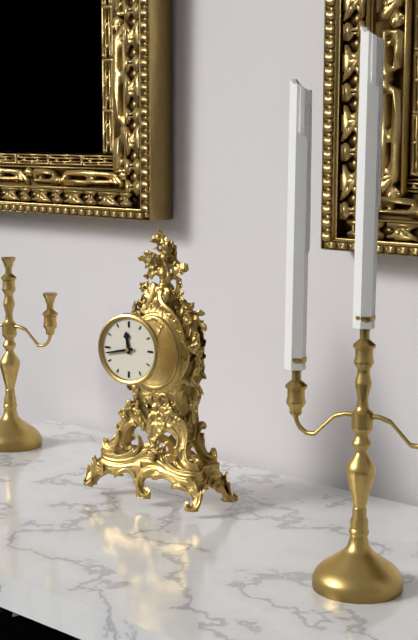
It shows 11,43
